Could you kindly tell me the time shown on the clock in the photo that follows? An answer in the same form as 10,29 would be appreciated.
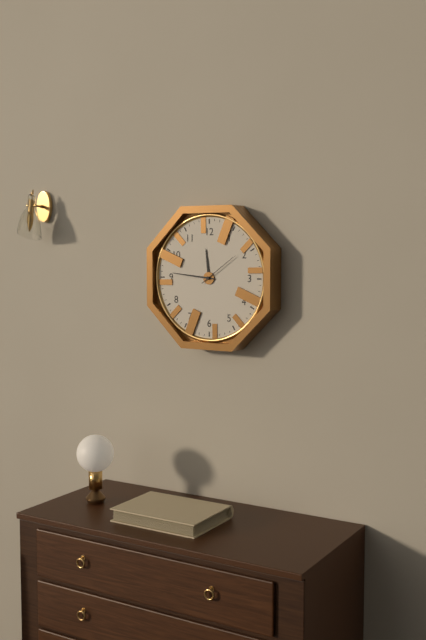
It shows 11,46
